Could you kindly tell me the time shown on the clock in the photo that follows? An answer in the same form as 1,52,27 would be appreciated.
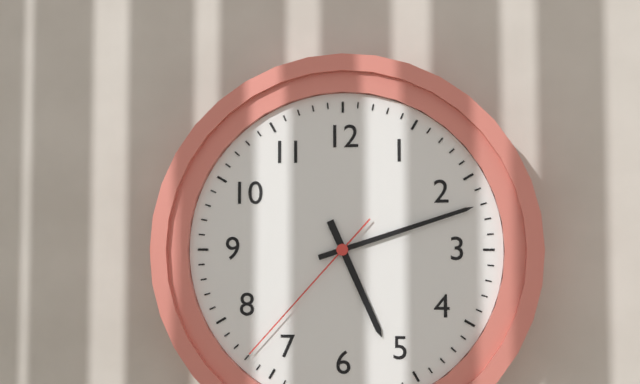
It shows 5,12,37
